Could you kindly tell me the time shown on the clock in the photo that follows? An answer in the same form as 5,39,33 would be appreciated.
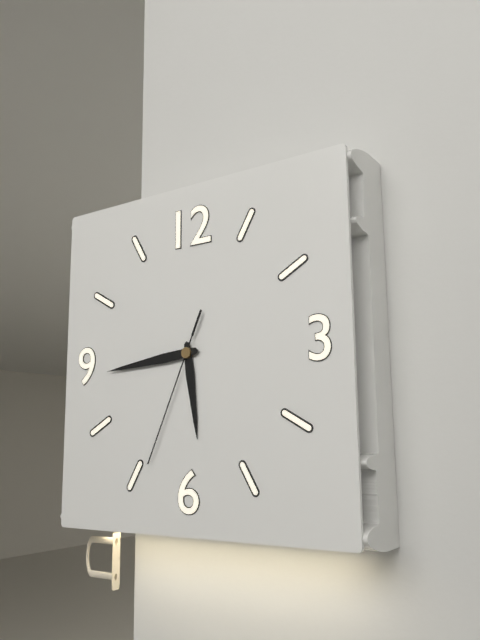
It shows 5,44,34
